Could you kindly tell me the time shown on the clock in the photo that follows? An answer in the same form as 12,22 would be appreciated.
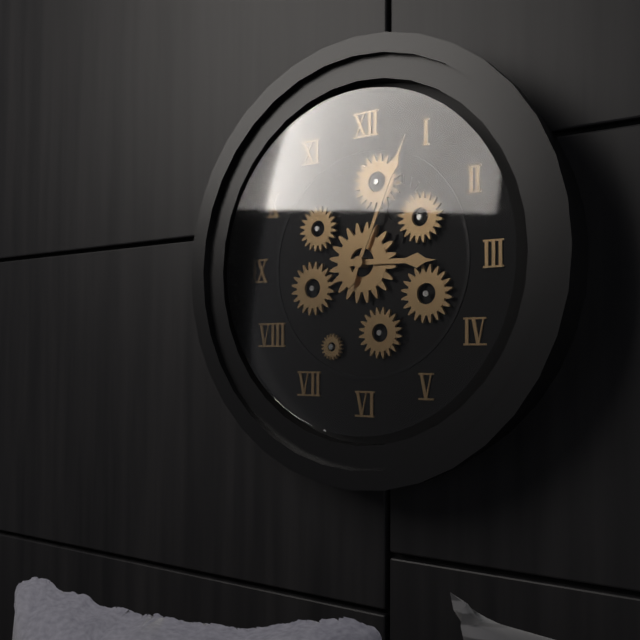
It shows 3,04
